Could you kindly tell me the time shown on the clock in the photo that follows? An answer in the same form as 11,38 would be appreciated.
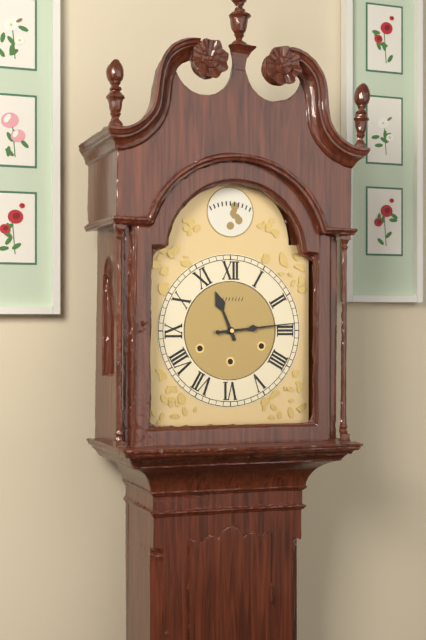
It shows 11,14
